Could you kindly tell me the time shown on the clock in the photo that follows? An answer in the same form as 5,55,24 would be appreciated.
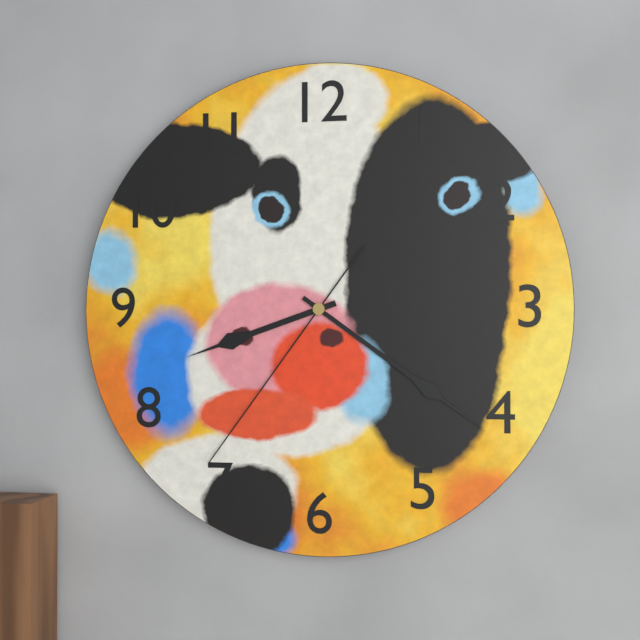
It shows 8,21,36
